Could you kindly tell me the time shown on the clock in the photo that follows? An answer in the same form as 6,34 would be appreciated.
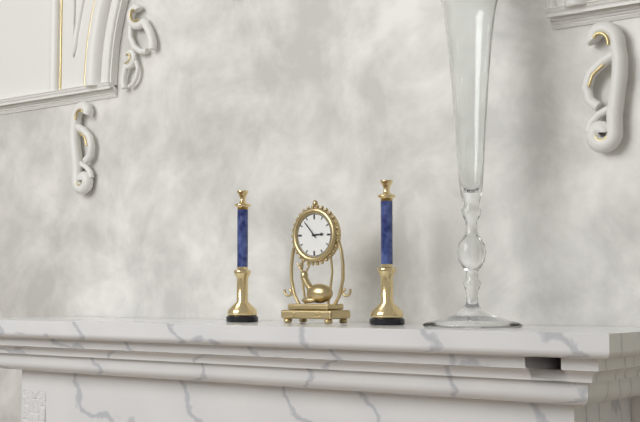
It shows 2,53
